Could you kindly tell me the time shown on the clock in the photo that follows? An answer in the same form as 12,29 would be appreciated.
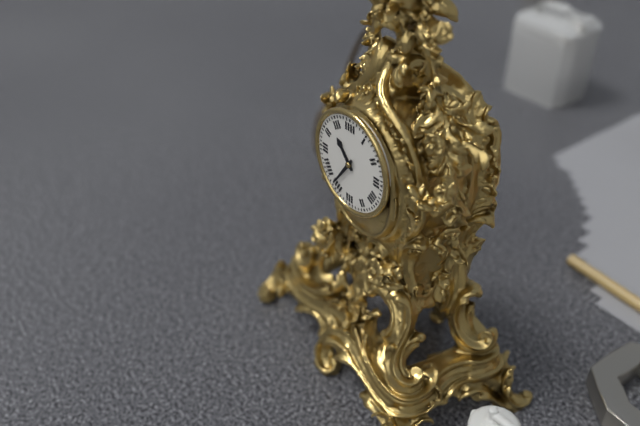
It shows 10,36
